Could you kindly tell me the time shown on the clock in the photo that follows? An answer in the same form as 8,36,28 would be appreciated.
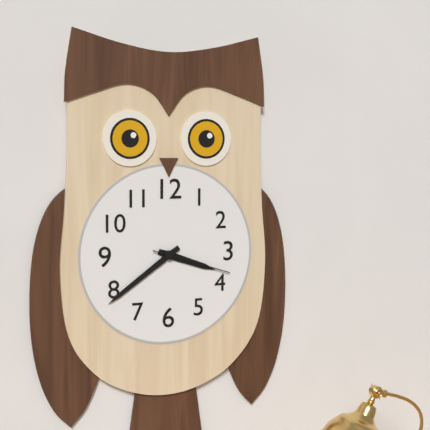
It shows 3,39,18
